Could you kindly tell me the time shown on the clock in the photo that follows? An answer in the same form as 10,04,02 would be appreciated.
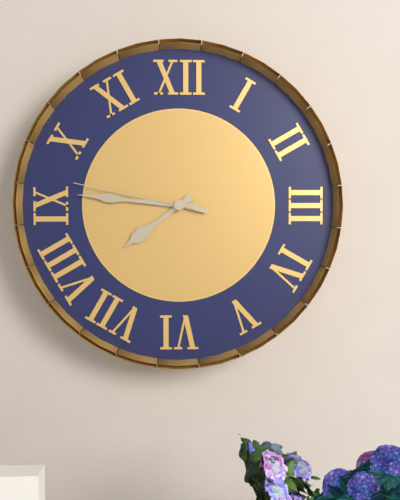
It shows 7,46,47
